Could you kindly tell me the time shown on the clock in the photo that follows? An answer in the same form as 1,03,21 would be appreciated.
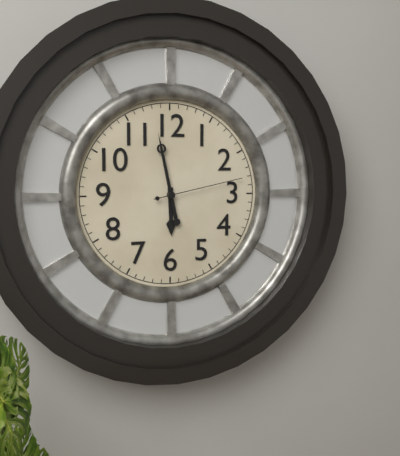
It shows 5,58,13
